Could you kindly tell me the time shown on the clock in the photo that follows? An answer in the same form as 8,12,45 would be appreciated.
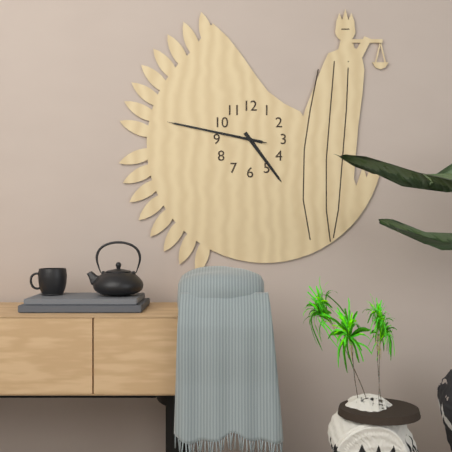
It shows 4,47,47
